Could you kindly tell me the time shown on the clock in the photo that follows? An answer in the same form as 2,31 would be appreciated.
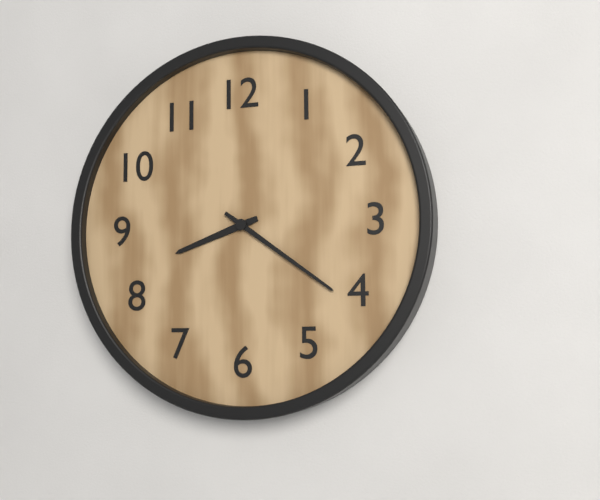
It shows 8,21
